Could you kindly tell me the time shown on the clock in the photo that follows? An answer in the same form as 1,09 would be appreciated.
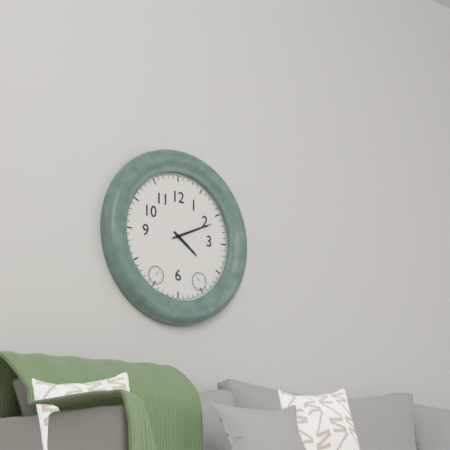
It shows 4,11
